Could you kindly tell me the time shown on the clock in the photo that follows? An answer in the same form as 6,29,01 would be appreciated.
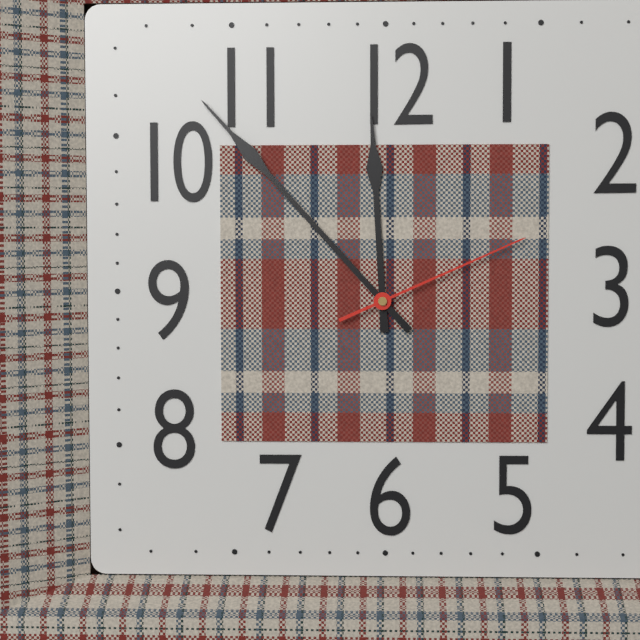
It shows 11,53,11
